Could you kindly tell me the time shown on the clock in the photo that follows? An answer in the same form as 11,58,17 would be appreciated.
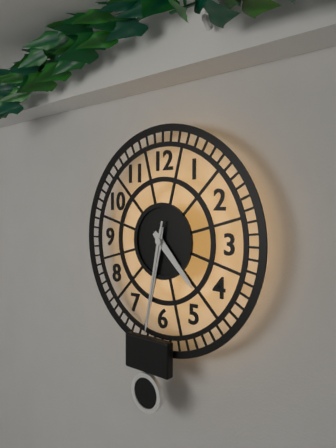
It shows 4,32,32
